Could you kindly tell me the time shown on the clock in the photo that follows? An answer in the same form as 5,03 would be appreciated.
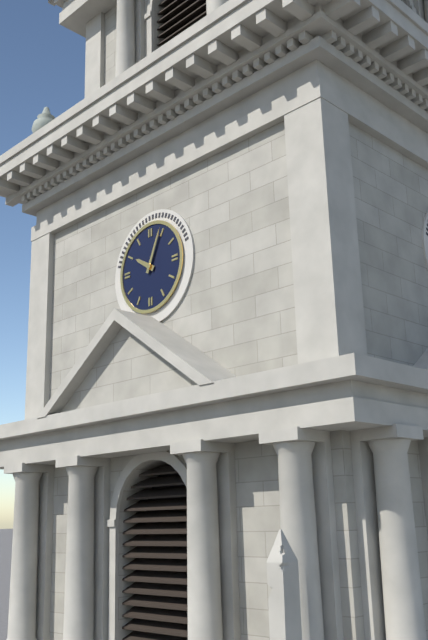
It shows 10,04
